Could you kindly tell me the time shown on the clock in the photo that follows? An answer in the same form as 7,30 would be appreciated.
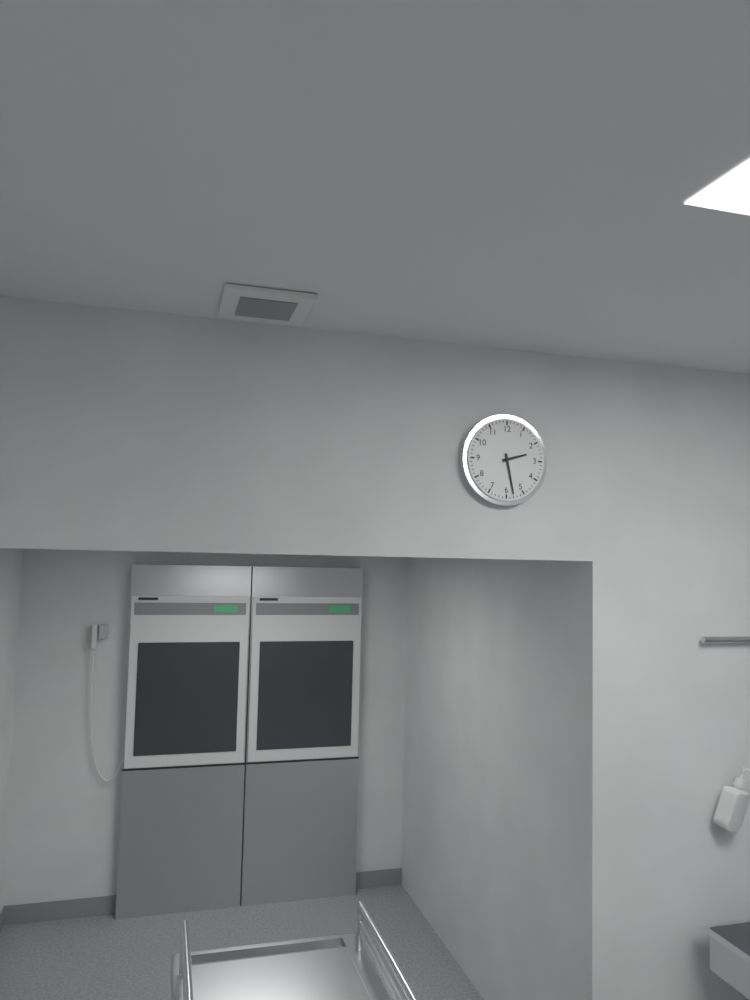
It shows 2,28
